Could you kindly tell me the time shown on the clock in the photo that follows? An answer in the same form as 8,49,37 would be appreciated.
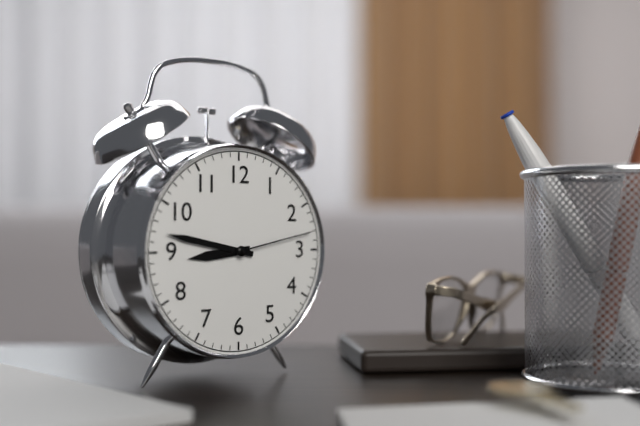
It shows 8,47,13
